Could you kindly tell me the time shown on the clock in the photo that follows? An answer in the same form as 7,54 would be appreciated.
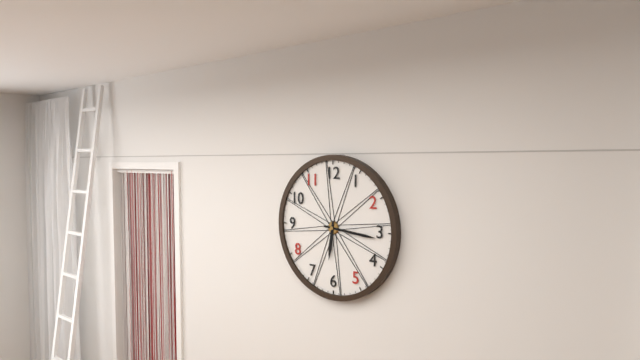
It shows 6,16
